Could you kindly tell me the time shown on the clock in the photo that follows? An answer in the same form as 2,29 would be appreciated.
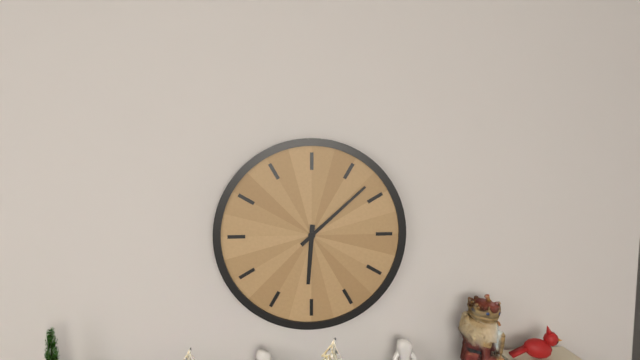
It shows 6,08
